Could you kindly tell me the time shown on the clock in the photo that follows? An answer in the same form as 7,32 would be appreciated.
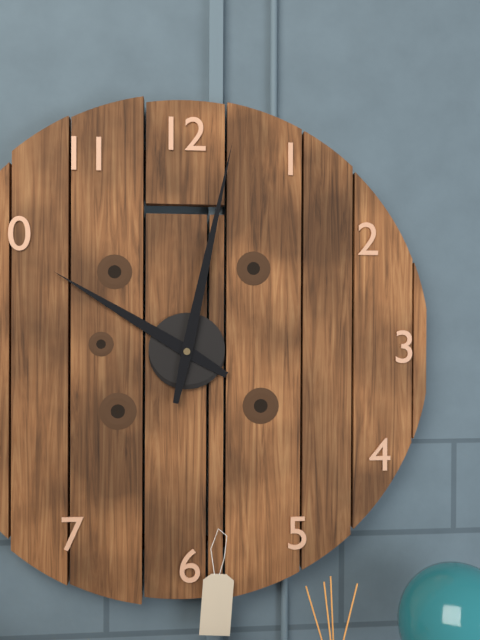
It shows 10,02
